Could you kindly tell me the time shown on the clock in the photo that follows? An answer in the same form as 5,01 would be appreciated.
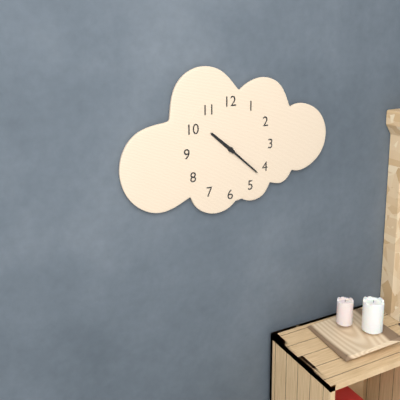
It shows 10,22
